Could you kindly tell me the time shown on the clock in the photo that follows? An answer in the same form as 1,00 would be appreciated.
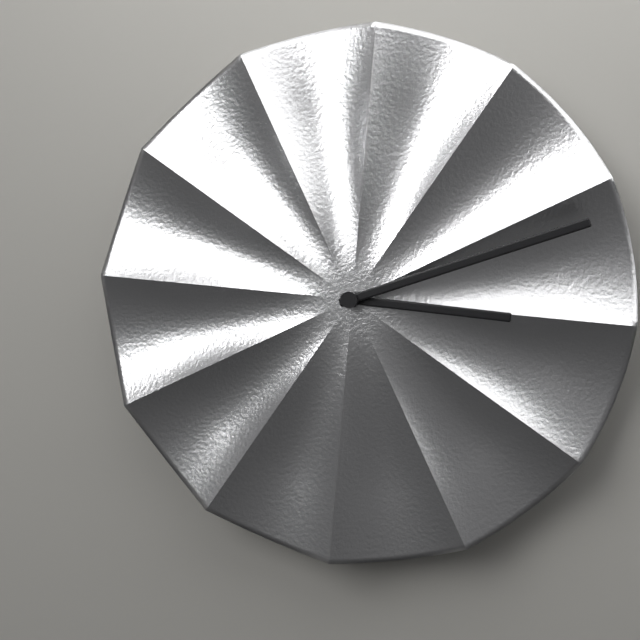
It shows 3,12
